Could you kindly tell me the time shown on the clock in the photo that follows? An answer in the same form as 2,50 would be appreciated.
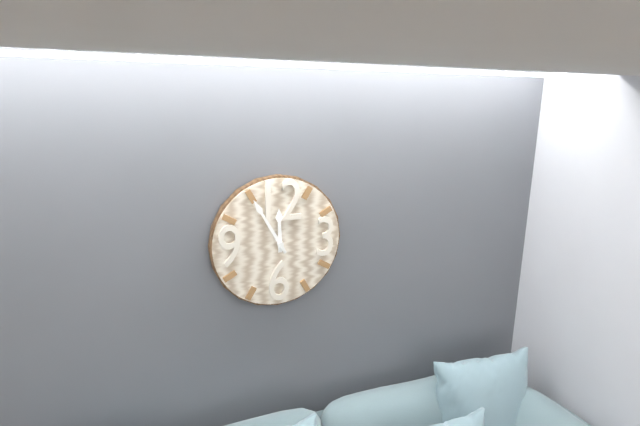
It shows 11,55
